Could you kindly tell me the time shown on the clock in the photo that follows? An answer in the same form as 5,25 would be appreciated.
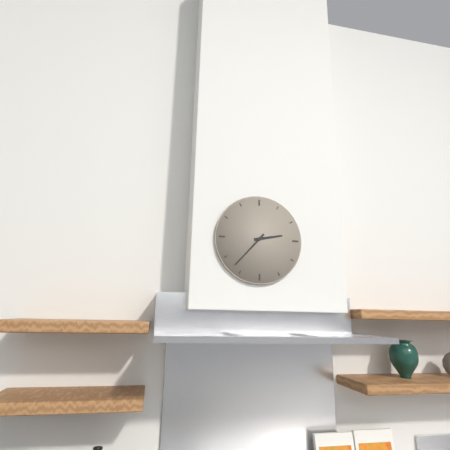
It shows 2,37
